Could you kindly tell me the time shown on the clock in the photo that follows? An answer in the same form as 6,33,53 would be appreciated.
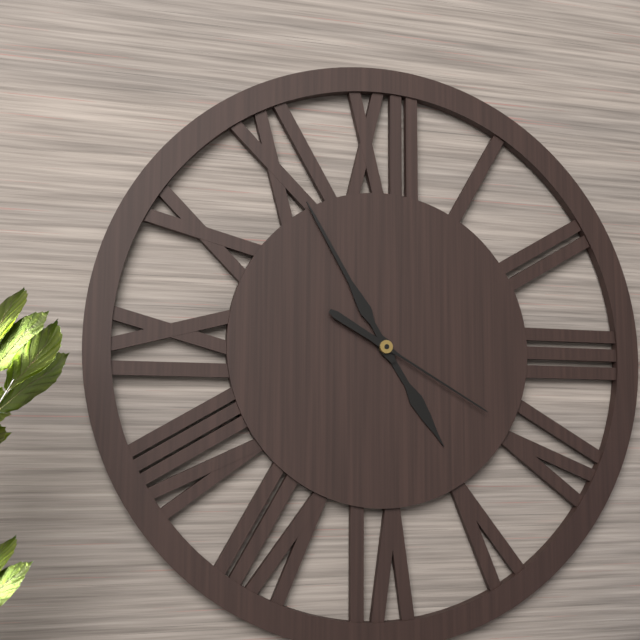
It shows 4,55,20
